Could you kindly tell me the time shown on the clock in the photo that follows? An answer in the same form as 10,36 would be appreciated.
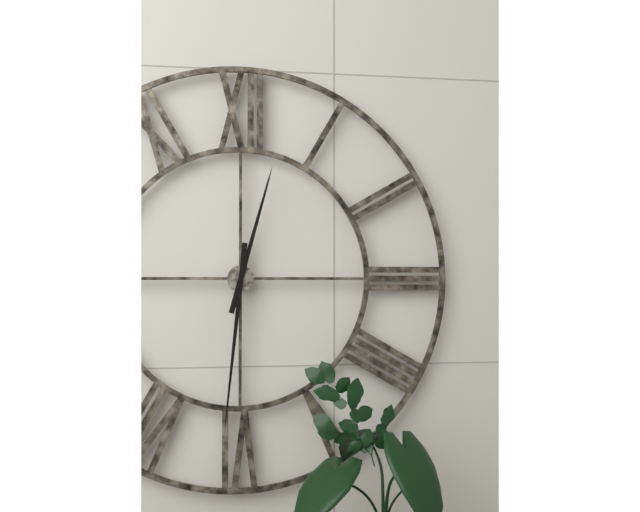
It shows 12,31
